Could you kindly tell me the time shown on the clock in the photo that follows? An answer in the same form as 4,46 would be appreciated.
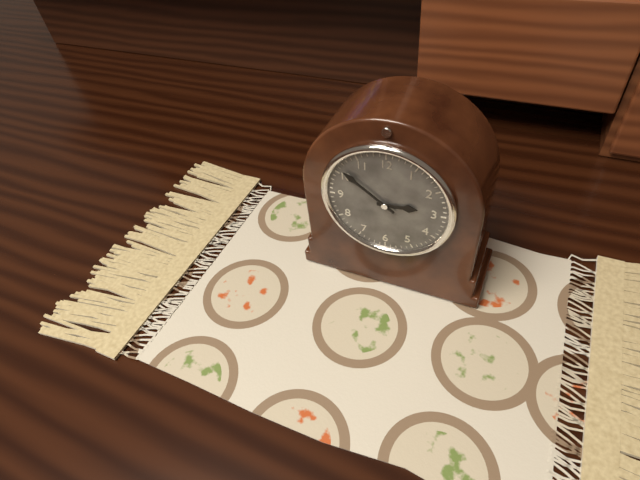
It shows 2,51
